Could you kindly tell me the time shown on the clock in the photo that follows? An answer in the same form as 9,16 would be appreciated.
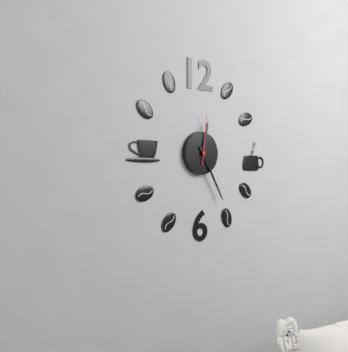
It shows 12,25
